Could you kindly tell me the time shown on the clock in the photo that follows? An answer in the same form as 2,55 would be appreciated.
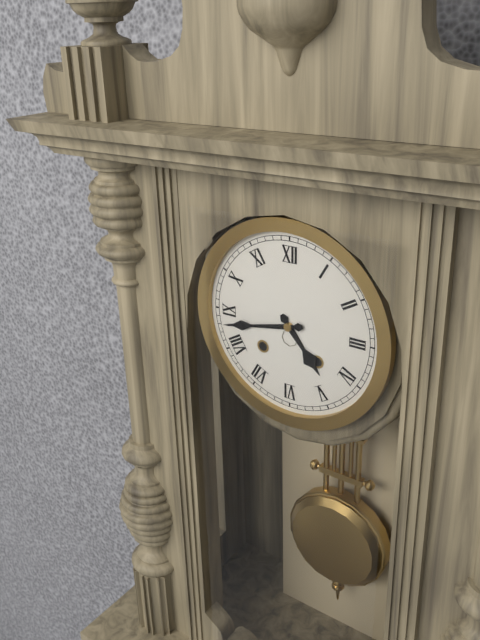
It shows 4,43
